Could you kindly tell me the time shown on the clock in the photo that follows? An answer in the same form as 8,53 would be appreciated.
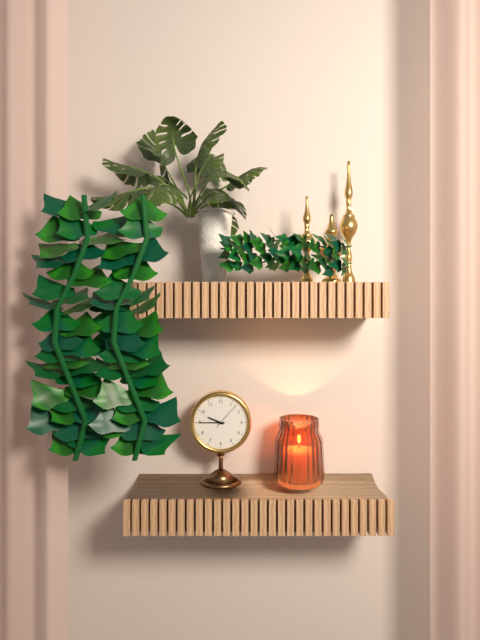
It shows 9,45
